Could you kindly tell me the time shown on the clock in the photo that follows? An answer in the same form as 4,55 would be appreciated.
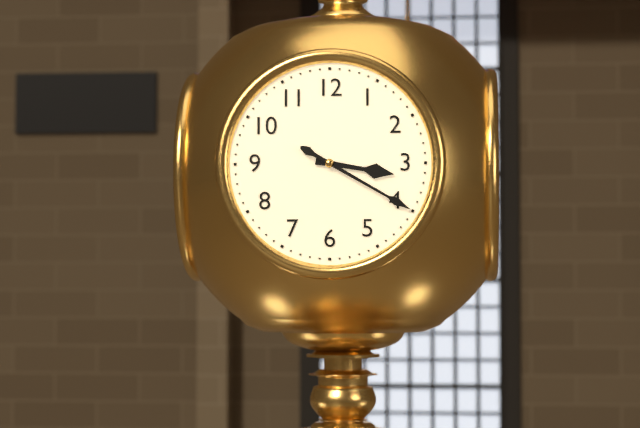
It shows 3,20
